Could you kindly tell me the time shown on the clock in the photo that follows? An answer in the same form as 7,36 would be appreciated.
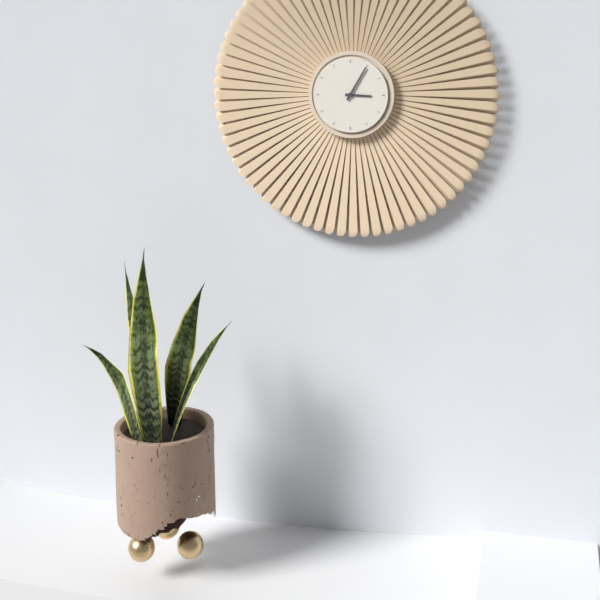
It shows 3,05
